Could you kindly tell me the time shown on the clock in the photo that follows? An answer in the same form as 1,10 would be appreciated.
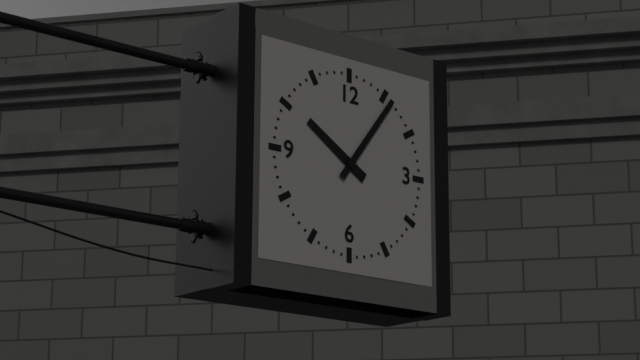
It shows 10,06
